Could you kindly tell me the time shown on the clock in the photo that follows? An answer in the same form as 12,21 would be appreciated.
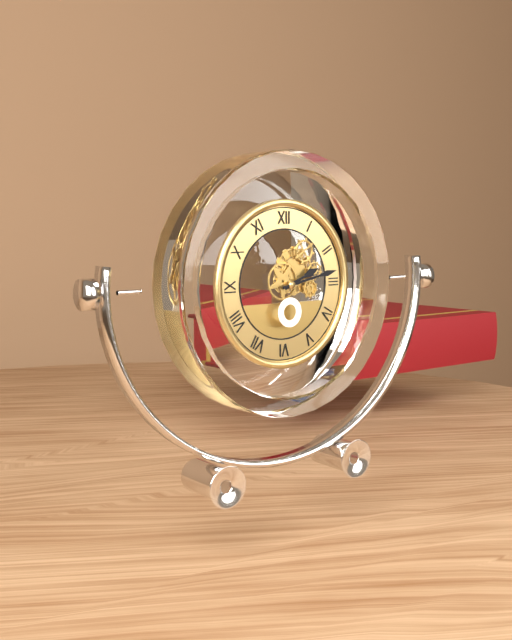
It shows 2,13
